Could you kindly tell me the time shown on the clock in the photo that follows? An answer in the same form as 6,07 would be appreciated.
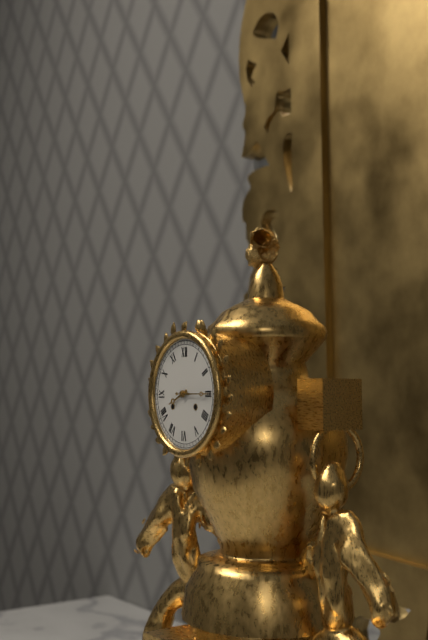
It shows 8,15
